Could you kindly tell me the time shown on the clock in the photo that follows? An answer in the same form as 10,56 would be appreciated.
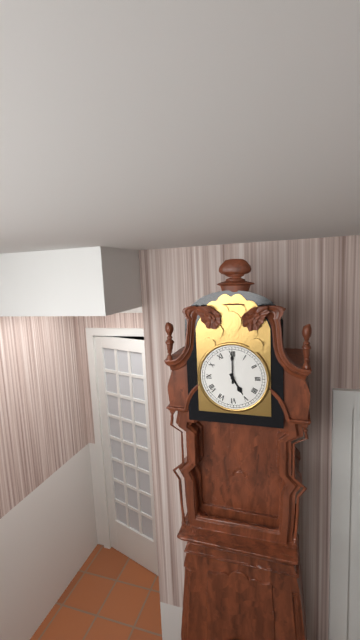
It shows 5,00
